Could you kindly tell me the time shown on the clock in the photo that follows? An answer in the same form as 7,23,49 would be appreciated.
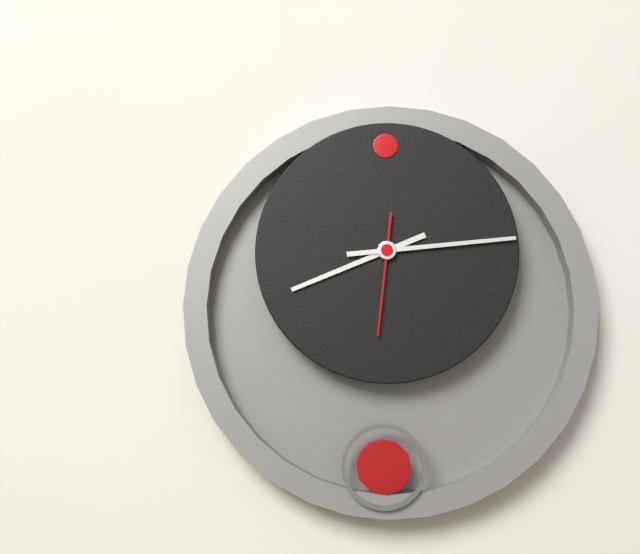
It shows 8,14,31
